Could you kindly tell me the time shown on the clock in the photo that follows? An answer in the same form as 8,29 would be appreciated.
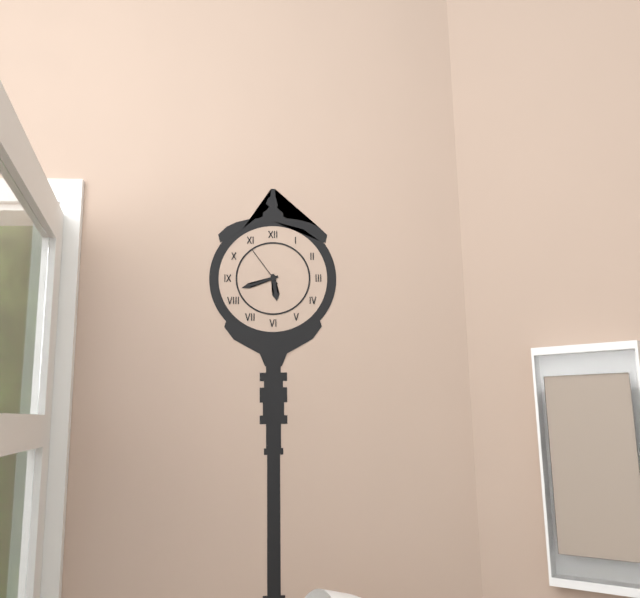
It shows 5,42
